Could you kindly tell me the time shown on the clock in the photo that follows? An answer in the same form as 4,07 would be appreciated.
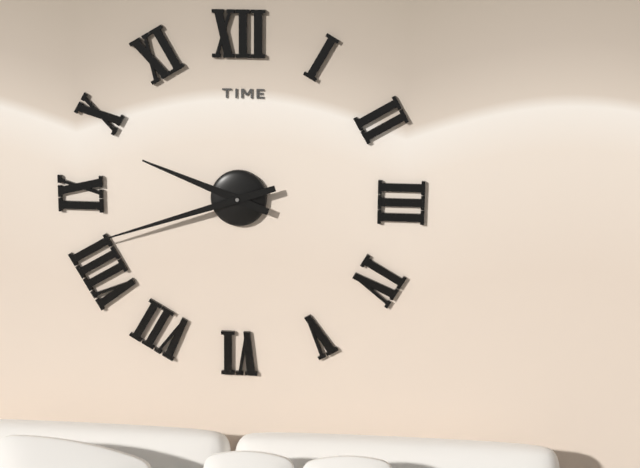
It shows 9,42
